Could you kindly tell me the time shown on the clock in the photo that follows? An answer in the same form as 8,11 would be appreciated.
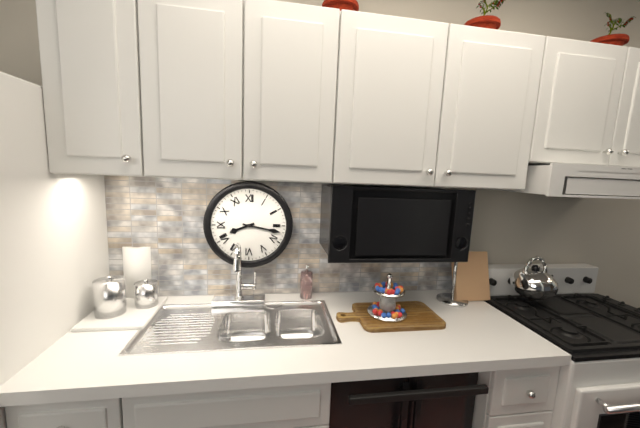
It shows 8,17
